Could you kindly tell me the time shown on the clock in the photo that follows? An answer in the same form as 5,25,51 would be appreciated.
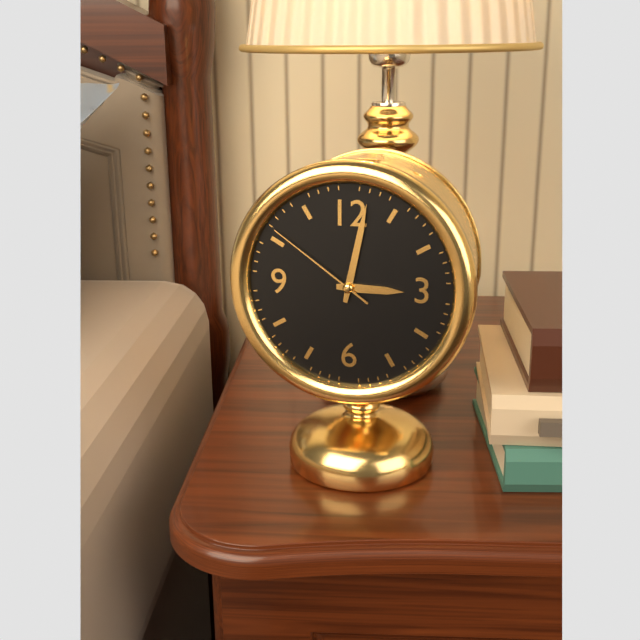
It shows 3,02,51
